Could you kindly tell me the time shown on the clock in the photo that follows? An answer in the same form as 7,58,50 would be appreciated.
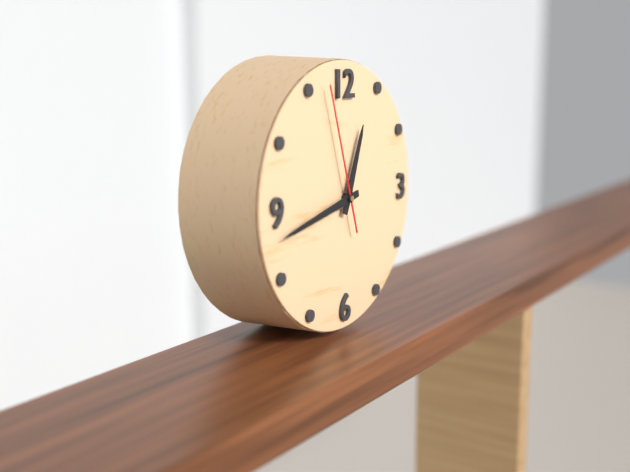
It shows 12,43,57
